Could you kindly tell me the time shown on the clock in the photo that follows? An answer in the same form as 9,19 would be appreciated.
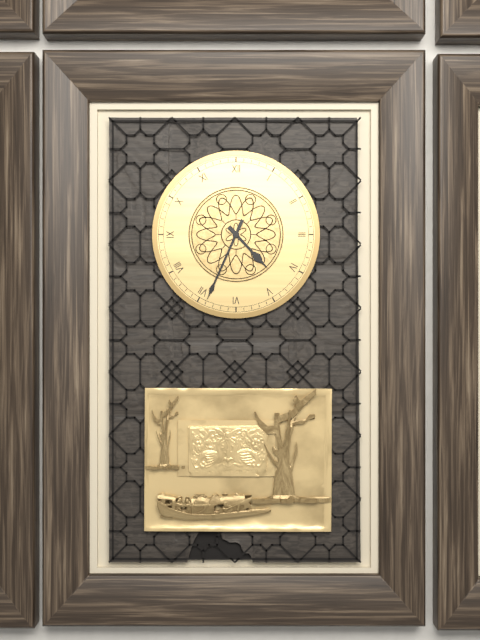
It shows 4,34
